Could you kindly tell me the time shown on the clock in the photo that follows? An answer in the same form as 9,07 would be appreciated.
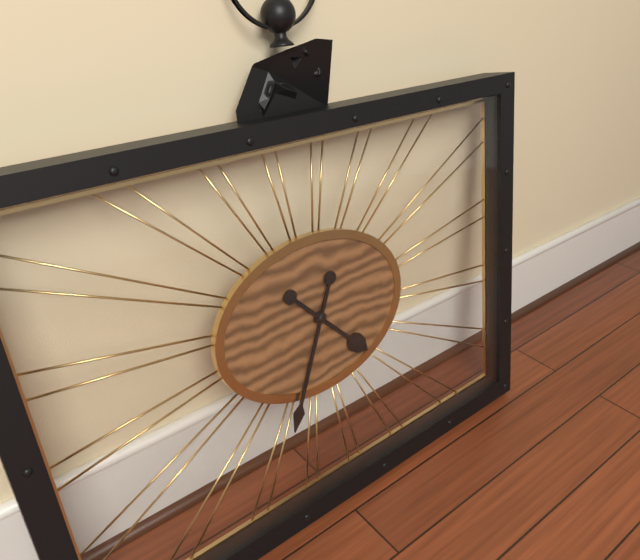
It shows 4,34
